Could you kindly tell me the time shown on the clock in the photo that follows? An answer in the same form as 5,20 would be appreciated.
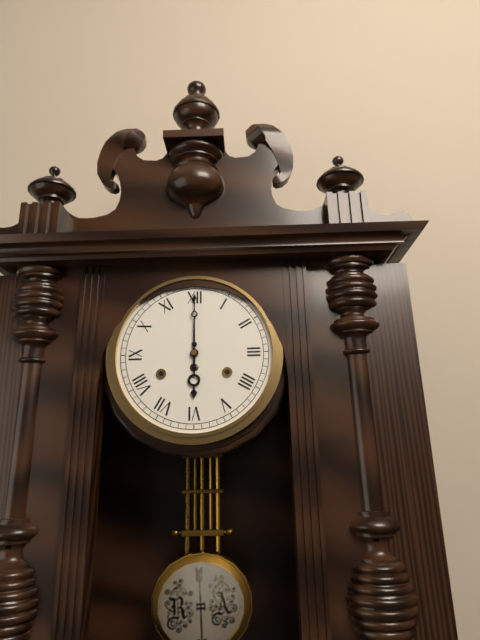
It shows 6,00
